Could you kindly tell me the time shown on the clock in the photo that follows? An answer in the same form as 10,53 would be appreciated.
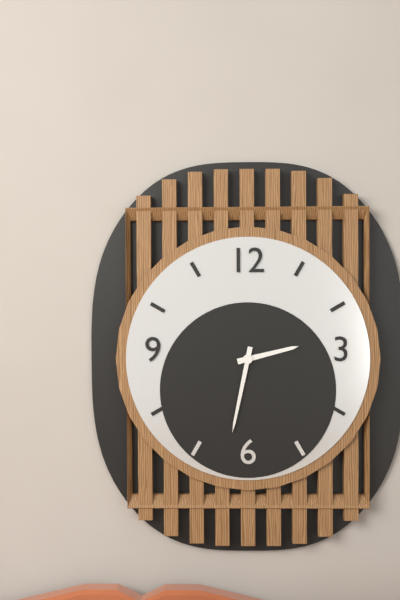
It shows 2,32
